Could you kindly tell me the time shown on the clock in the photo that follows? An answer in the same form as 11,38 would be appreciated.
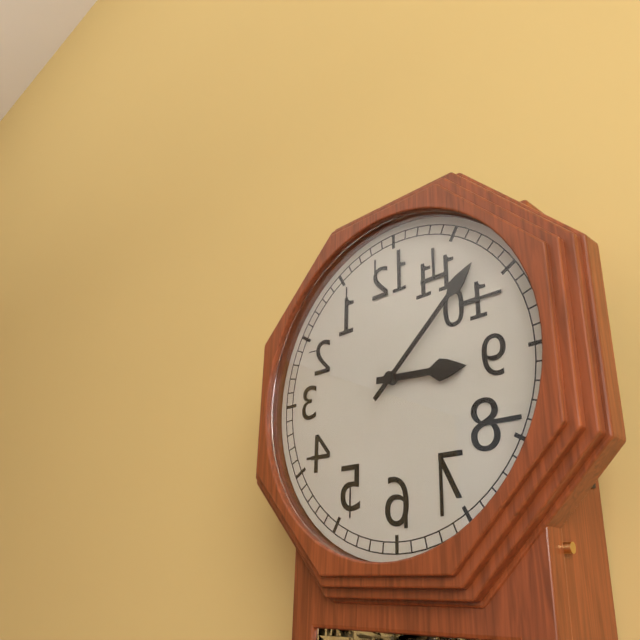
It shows 3,08
